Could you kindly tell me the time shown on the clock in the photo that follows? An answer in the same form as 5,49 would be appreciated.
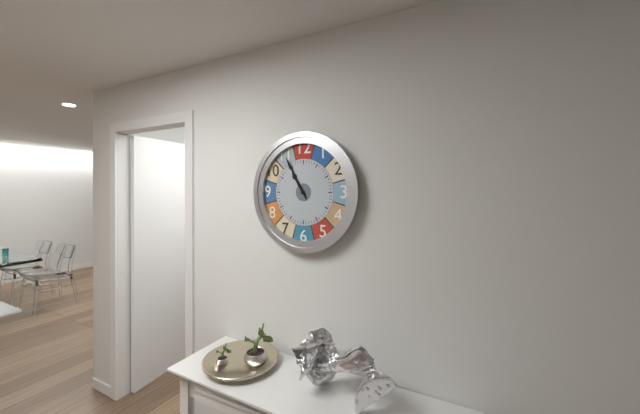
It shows 10,55
